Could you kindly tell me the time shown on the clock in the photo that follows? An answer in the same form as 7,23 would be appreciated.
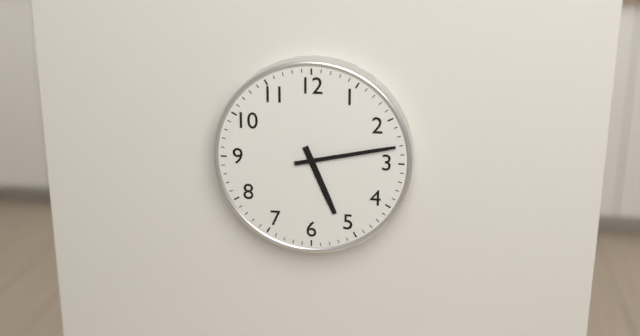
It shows 5,13
